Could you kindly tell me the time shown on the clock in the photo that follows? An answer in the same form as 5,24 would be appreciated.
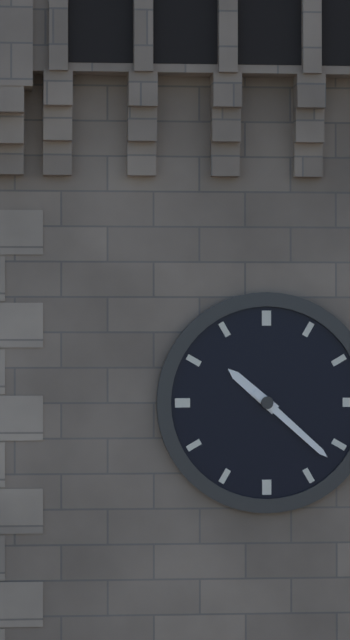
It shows 10,22
